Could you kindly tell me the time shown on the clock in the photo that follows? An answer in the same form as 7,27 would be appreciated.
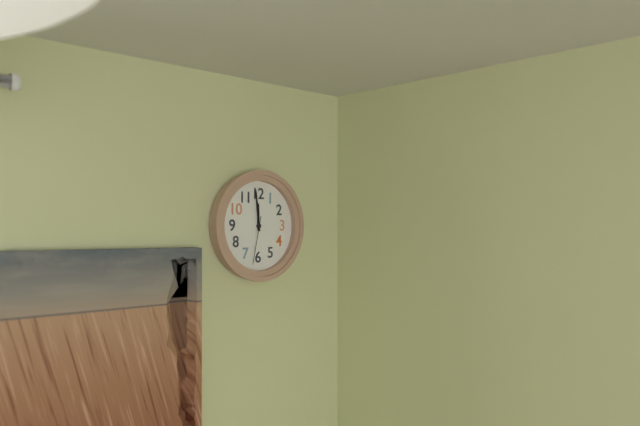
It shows 11,59
